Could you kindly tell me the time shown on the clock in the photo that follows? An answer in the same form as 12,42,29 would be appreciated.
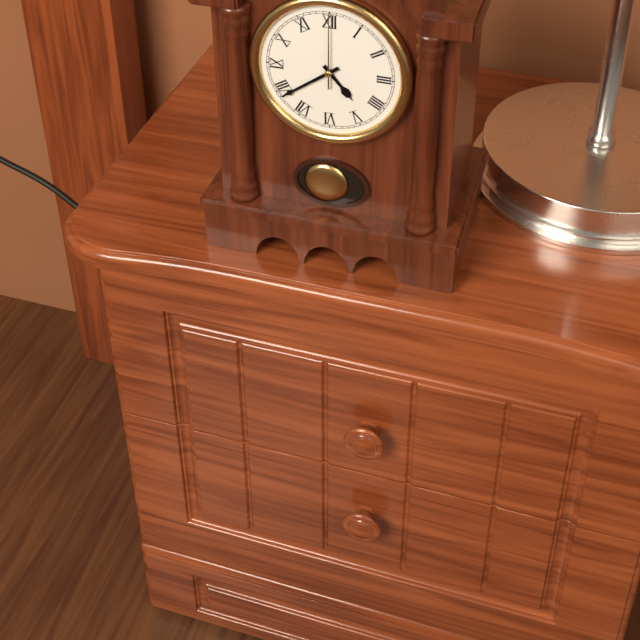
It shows 4,39,00
